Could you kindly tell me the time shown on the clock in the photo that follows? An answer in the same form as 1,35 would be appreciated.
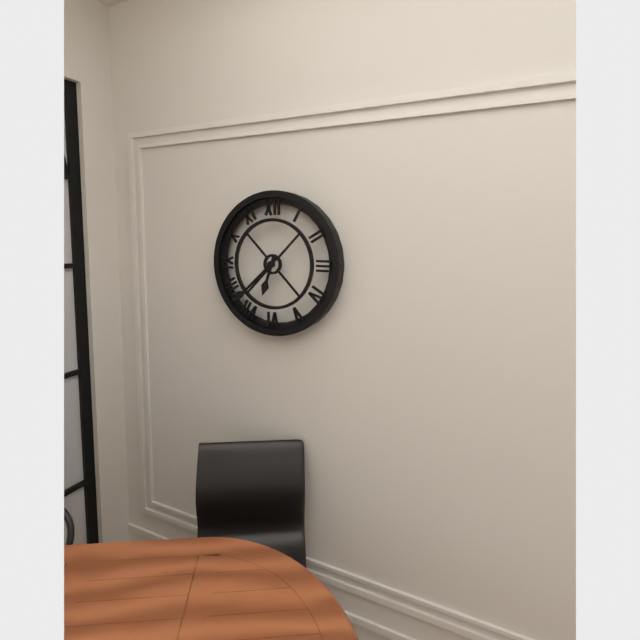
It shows 6,38
